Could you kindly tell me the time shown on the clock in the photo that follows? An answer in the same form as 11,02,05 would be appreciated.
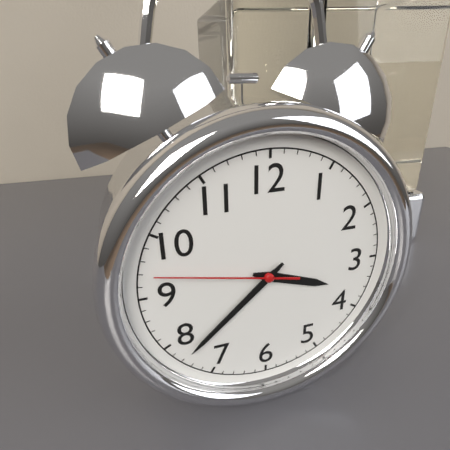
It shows 3,38,47
